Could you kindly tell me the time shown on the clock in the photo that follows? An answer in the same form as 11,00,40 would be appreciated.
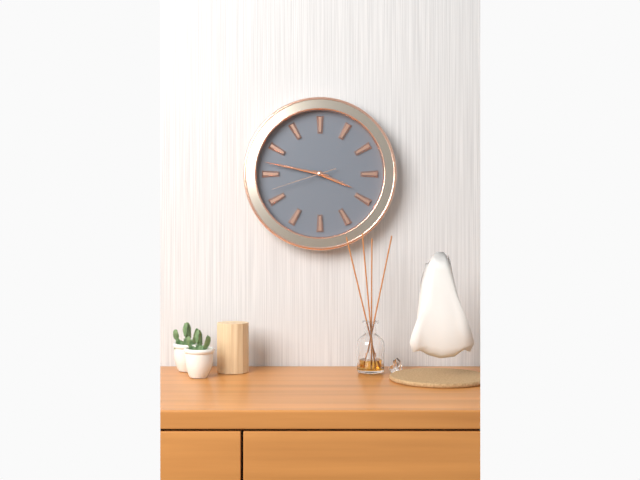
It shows 3,47,42
